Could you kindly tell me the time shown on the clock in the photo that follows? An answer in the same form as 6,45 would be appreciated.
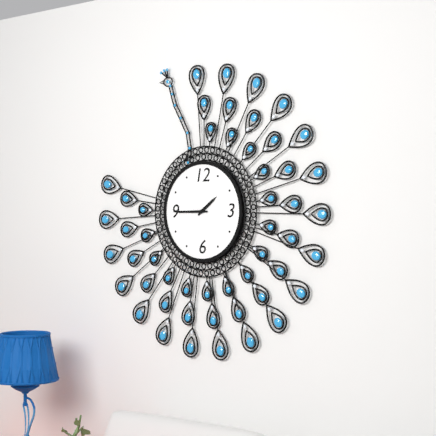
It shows 1,45
